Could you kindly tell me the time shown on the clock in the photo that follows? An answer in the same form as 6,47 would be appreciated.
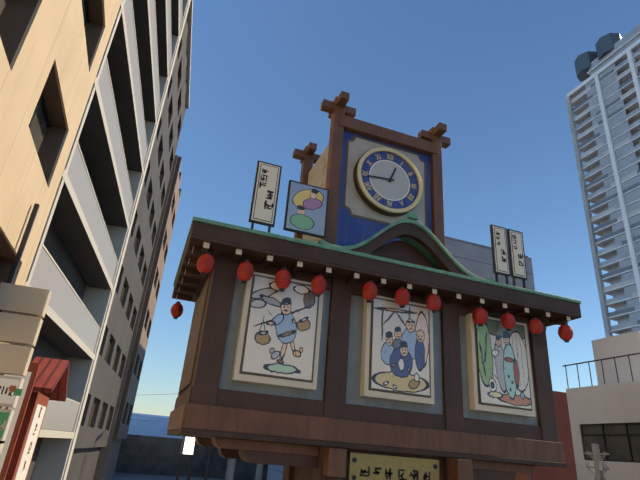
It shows 12,44
